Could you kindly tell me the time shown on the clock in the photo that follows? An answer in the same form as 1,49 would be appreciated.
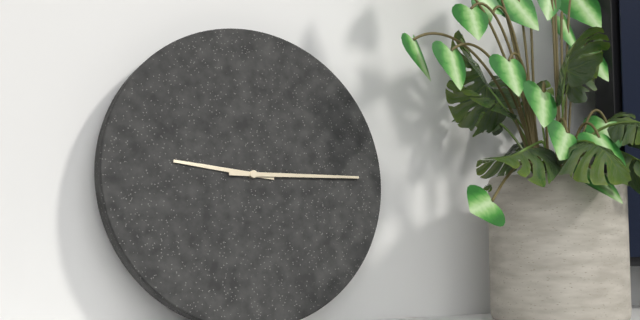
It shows 9,15
